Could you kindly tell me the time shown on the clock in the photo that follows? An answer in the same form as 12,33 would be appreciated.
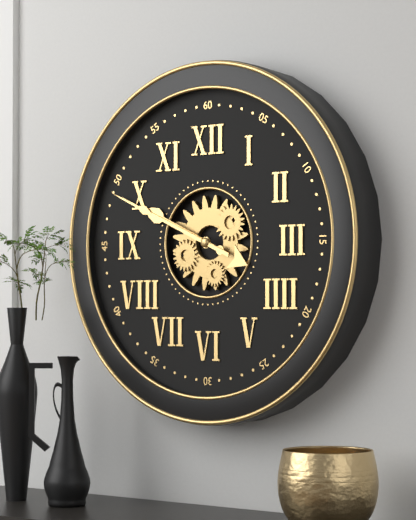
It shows 9,49
